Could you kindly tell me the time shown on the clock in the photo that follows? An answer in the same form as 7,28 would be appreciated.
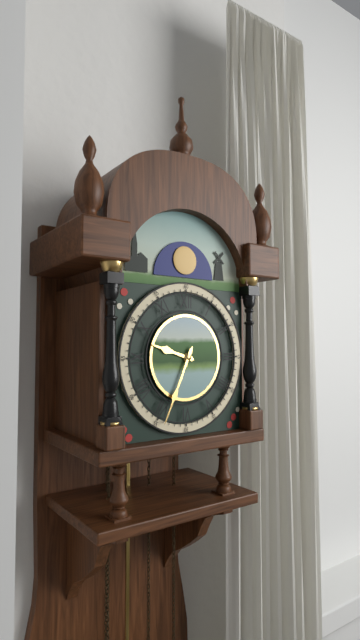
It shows 9,34
